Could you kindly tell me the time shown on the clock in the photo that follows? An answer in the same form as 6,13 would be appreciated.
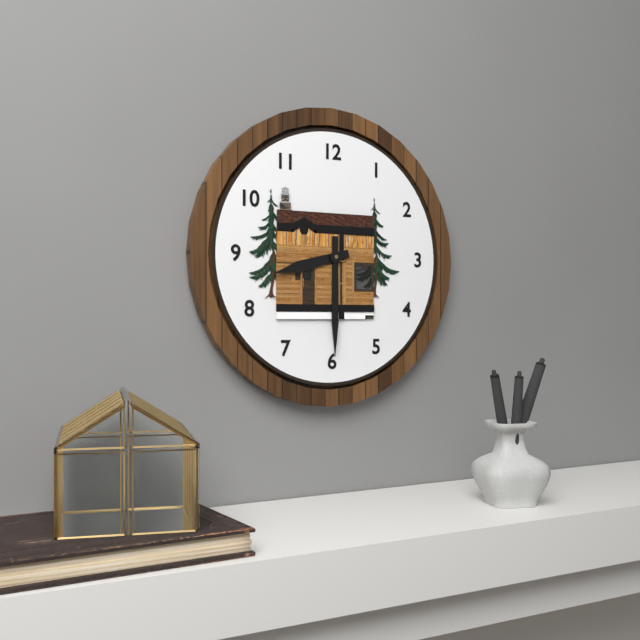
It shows 8,30
